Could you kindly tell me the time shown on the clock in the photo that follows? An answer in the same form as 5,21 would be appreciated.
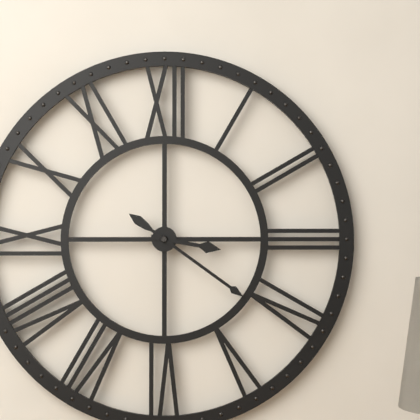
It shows 3,21
